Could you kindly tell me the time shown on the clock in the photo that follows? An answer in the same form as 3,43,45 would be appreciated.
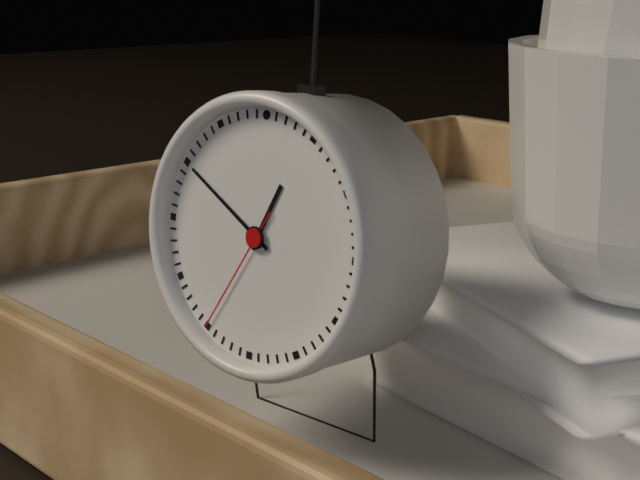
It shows 12,50,35
